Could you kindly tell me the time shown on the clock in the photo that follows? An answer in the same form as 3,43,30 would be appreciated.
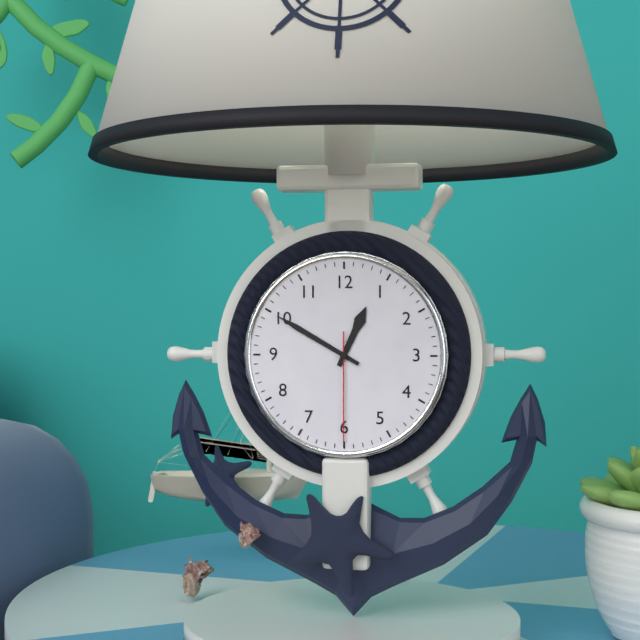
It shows 12,50,30
